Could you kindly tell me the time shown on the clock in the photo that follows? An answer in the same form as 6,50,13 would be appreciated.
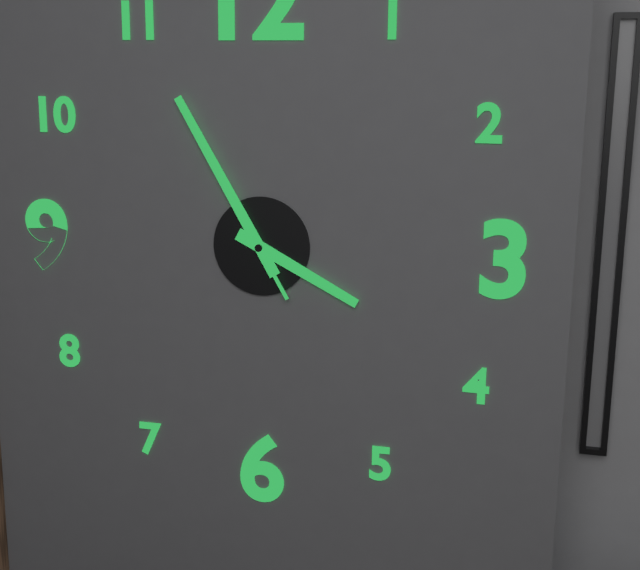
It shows 3,55,55
